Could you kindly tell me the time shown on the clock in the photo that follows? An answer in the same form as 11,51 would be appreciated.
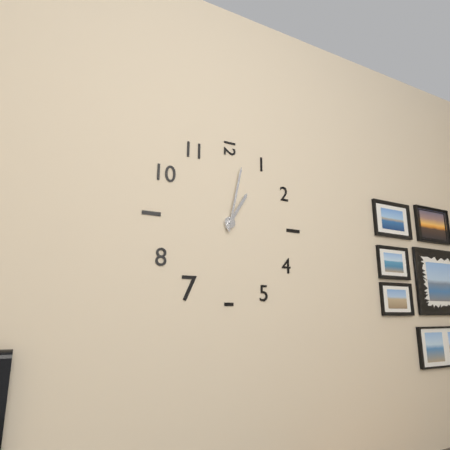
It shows 1,02
